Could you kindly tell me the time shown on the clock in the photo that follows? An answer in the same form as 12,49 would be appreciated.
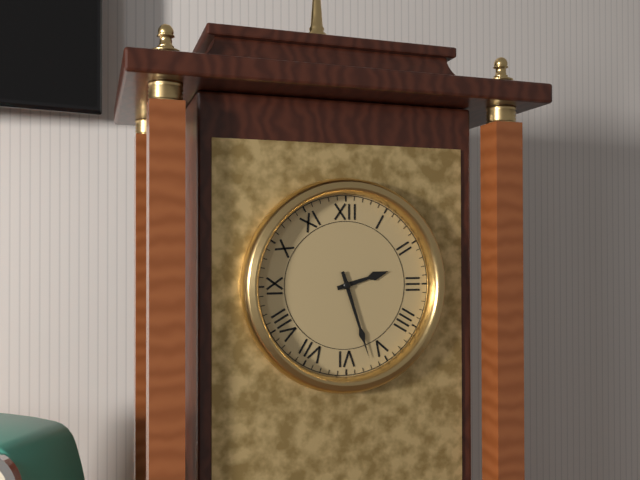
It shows 2,27
